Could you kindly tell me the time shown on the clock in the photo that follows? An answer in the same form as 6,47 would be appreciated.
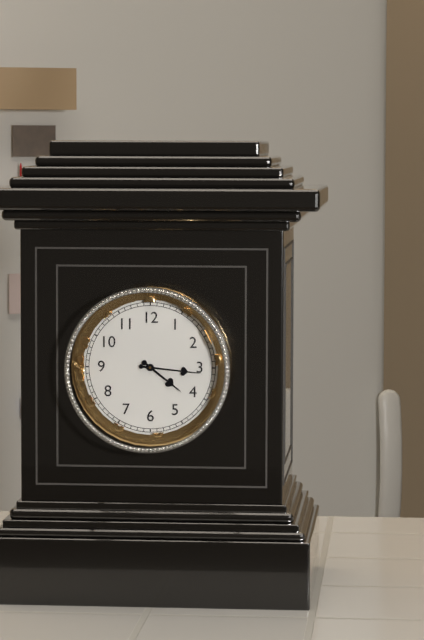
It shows 4,16
